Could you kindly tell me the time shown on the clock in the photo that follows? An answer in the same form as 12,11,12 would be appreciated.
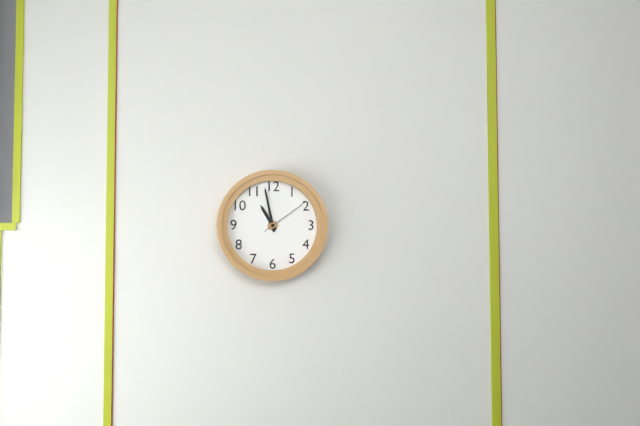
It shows 10,58,09
